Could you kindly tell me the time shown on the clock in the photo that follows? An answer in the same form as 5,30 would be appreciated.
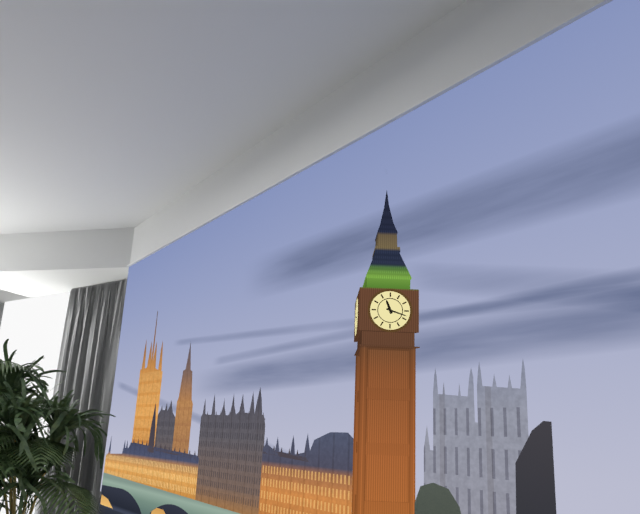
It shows 11,18
